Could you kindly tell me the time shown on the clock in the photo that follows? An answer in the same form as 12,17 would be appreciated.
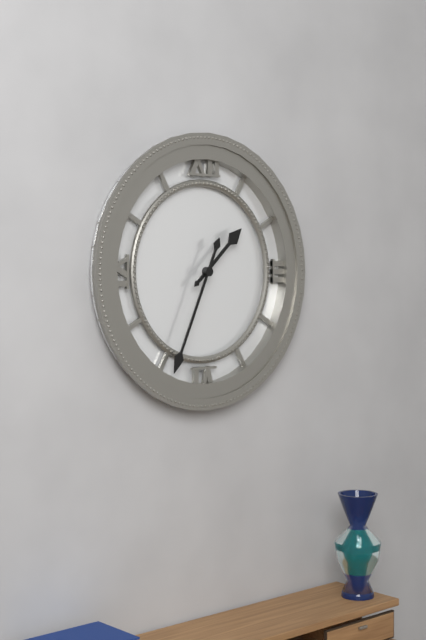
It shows 1,34
